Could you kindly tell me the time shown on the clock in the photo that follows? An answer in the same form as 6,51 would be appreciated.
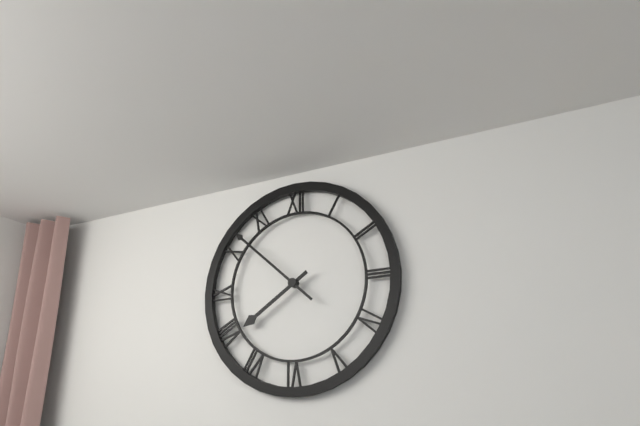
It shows 7,52
